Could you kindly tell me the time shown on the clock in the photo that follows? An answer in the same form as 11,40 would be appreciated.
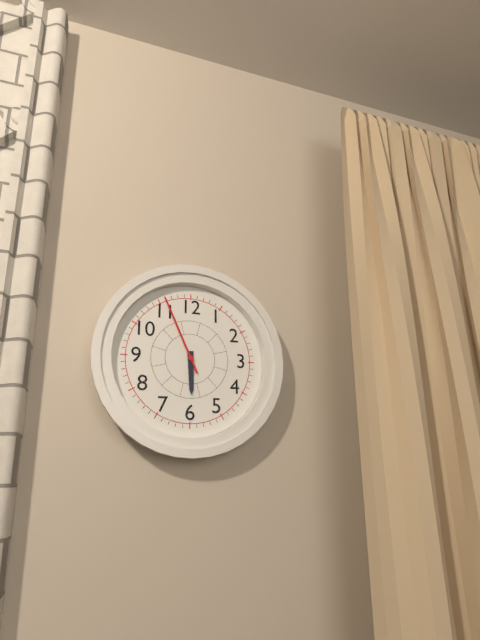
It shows 5,56
